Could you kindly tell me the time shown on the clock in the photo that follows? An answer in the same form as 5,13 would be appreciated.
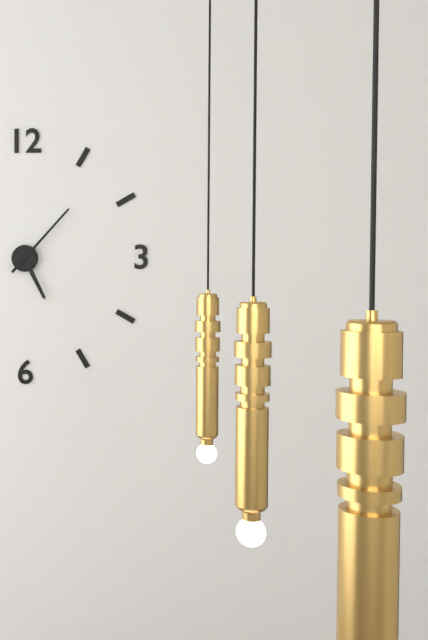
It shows 5,07
